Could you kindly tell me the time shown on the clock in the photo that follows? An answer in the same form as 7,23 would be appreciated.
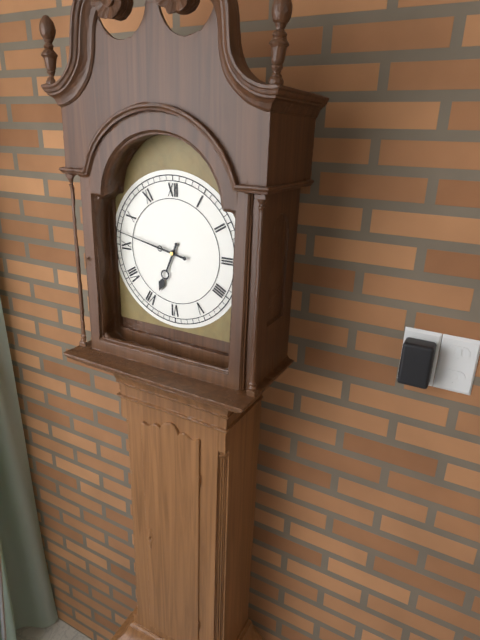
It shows 6,47
